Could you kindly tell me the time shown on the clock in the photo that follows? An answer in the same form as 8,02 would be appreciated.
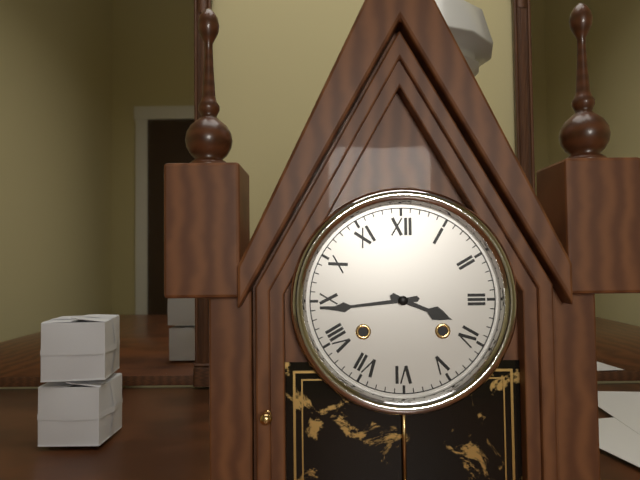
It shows 3,44
